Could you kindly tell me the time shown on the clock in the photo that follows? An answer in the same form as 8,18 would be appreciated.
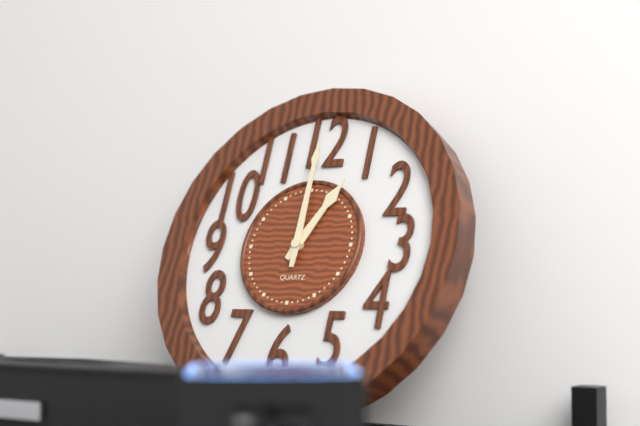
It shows 1,00
